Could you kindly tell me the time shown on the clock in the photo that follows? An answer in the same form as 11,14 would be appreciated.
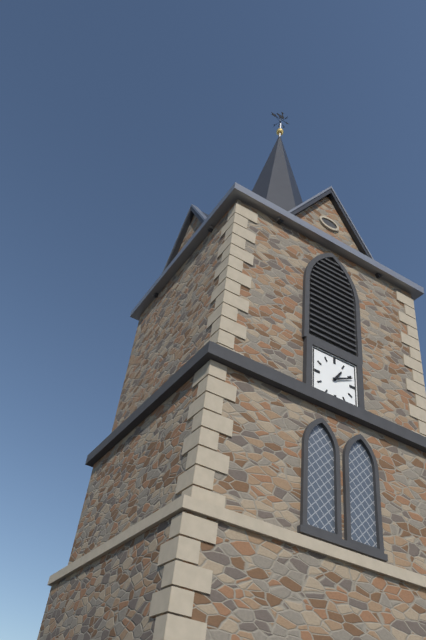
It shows 1,11
